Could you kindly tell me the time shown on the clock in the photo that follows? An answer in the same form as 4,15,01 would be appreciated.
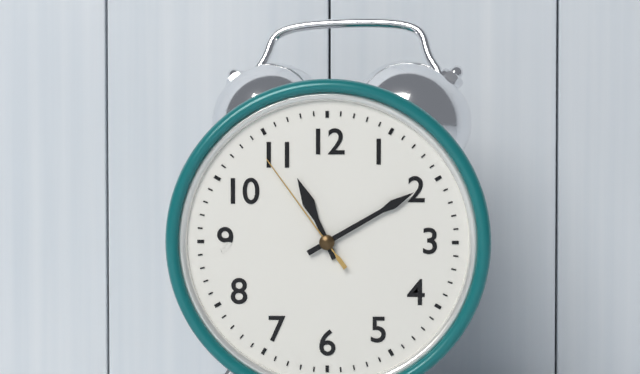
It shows 11,10,54
